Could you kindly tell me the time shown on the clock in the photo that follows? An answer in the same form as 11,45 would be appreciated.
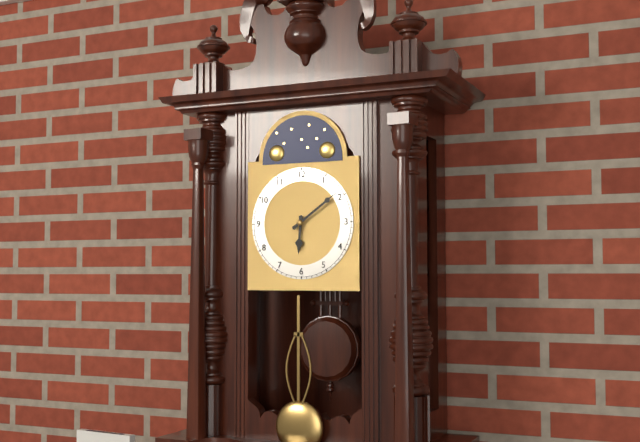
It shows 6,09
